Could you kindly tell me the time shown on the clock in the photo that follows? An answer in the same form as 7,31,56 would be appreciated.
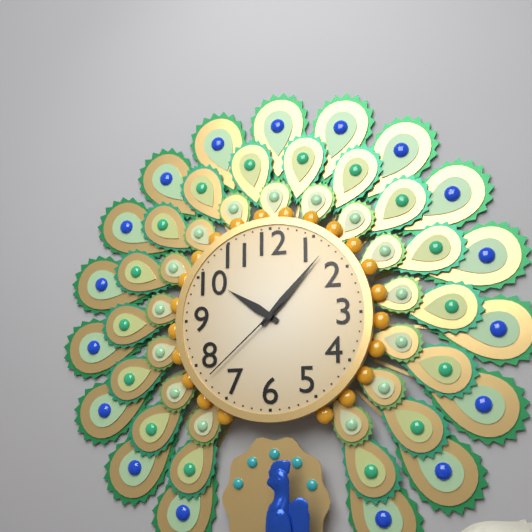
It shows 10,07,38
